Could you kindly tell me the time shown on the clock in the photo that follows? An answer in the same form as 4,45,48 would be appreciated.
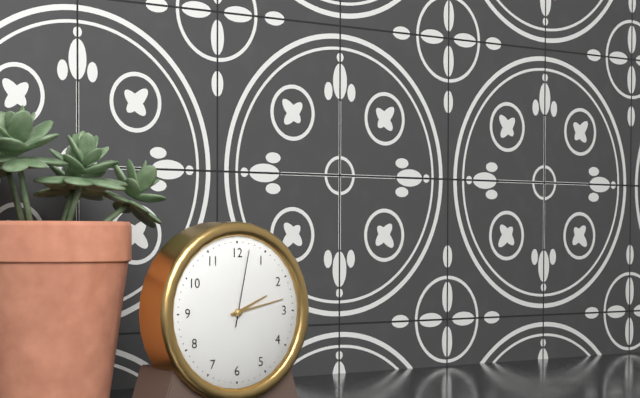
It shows 2,13,02
